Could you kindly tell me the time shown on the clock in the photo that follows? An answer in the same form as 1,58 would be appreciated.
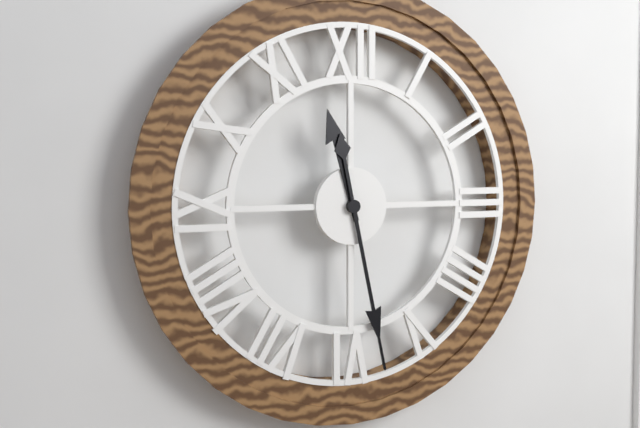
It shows 11,28
